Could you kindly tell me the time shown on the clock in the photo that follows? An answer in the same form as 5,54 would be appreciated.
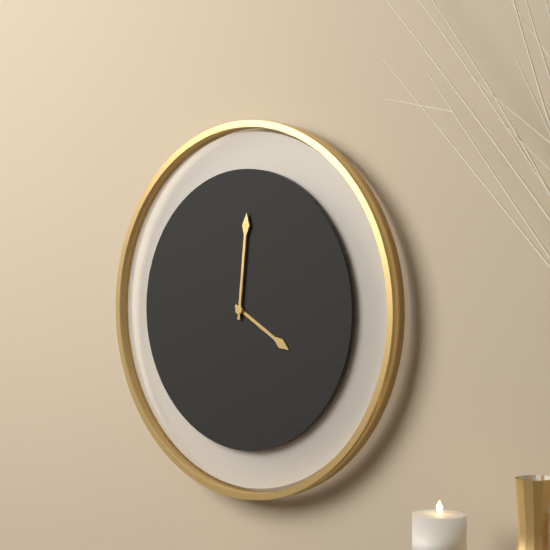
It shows 4,01
